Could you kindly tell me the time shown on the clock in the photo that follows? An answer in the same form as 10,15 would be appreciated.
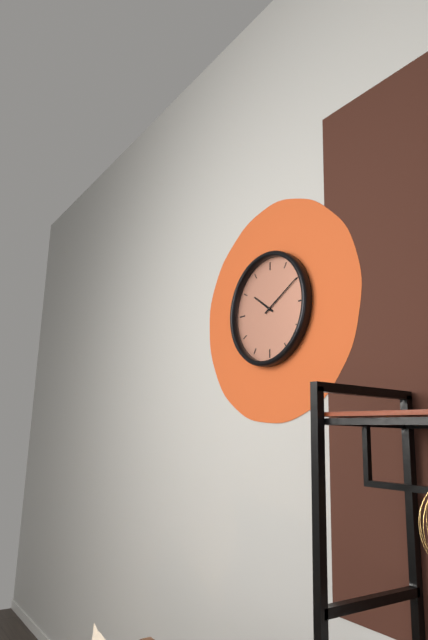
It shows 10,10
